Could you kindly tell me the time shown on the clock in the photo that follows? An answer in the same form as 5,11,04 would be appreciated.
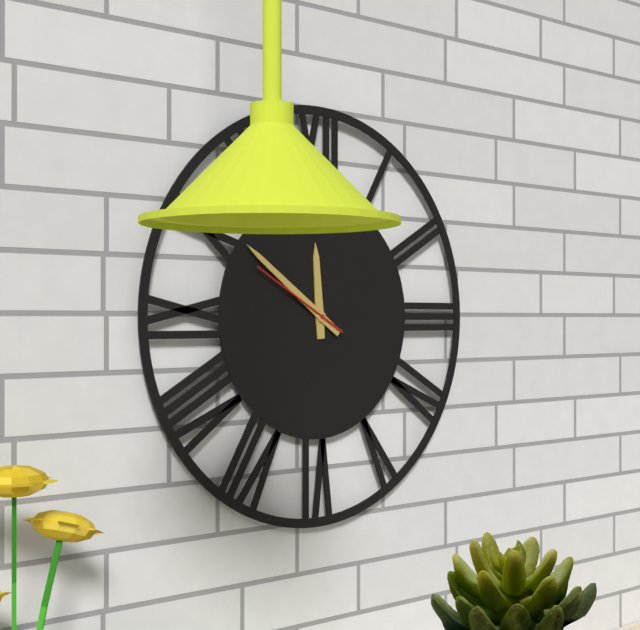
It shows 11,51,50
